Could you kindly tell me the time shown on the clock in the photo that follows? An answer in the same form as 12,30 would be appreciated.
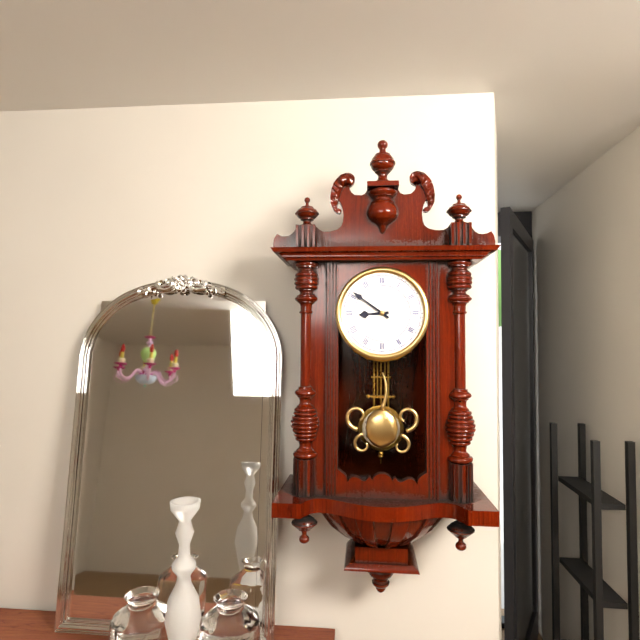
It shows 8,51
